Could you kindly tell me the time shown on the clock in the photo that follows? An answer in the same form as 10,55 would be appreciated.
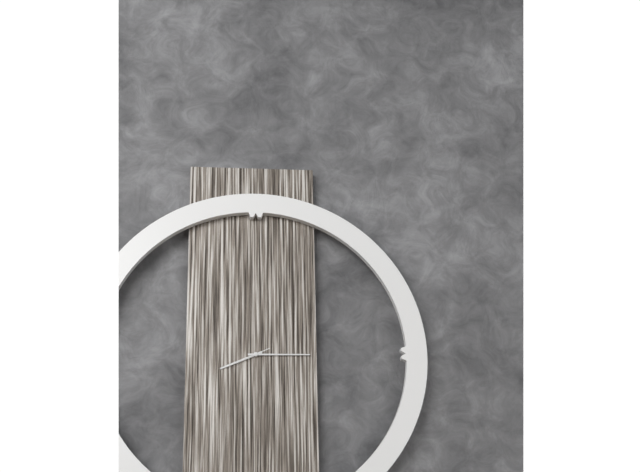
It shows 8,15
